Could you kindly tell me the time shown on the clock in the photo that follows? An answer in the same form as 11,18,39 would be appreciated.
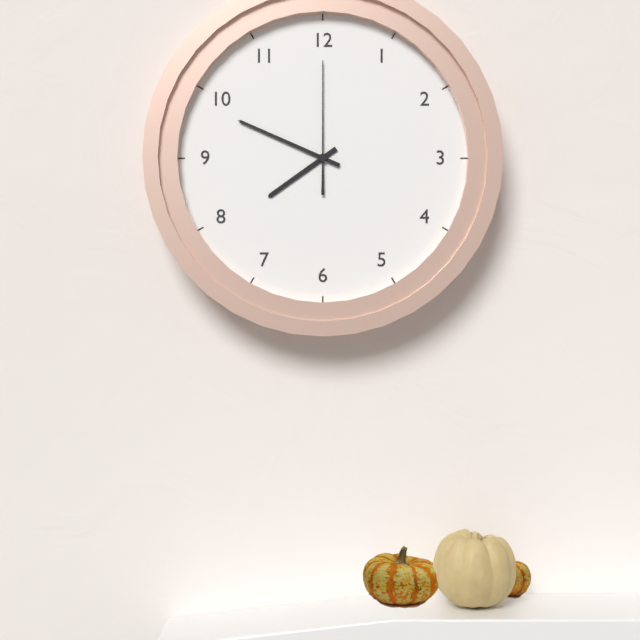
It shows 7,49,00
